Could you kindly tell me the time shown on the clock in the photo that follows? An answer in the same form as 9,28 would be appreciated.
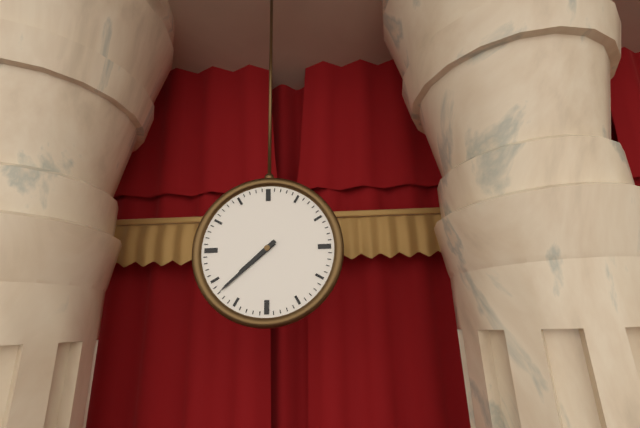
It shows 7,38
